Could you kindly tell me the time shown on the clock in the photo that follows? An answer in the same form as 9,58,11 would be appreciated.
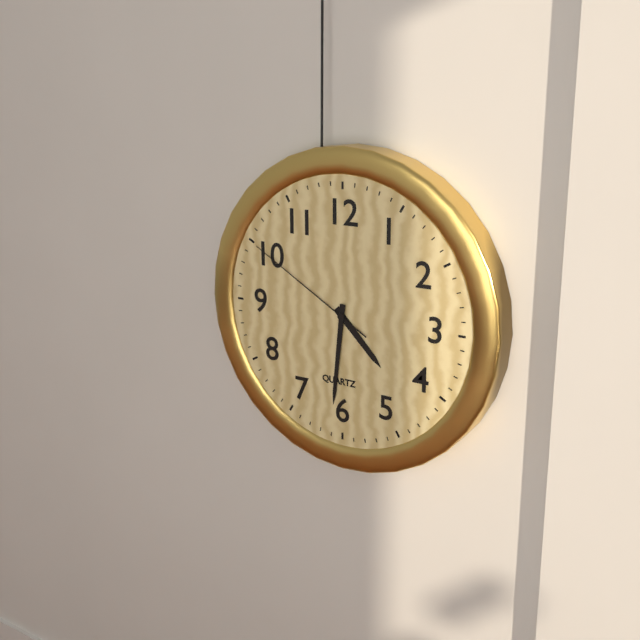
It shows 4,31,50
